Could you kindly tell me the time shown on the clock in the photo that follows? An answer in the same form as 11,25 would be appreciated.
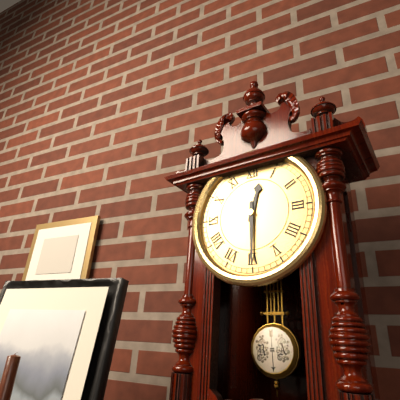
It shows 12,30
